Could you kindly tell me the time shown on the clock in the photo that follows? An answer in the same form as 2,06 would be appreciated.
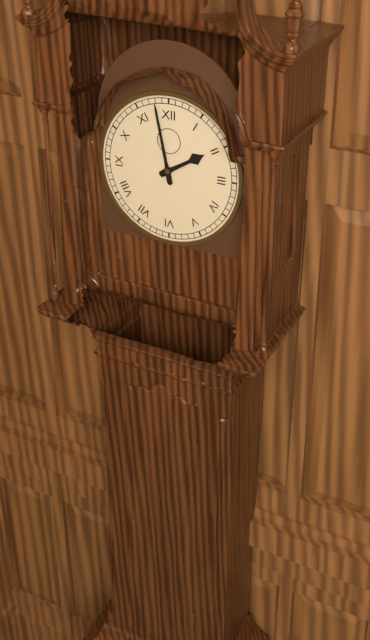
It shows 1,58
